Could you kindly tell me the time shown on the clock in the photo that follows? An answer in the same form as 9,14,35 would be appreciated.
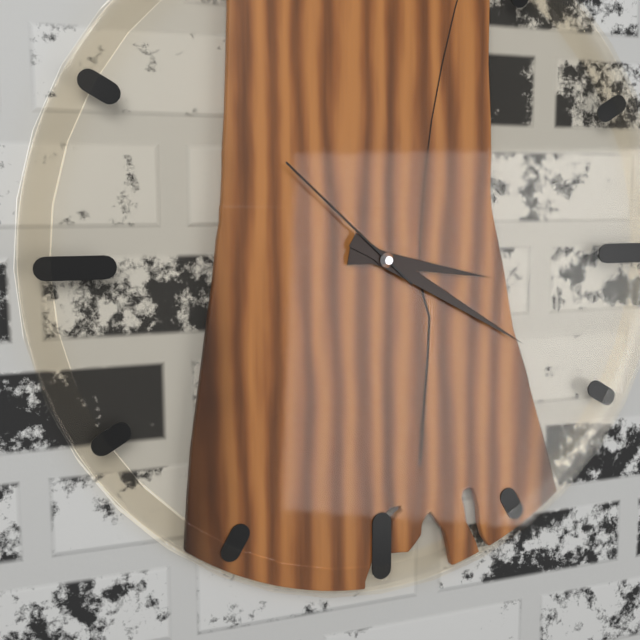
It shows 3,20,52
